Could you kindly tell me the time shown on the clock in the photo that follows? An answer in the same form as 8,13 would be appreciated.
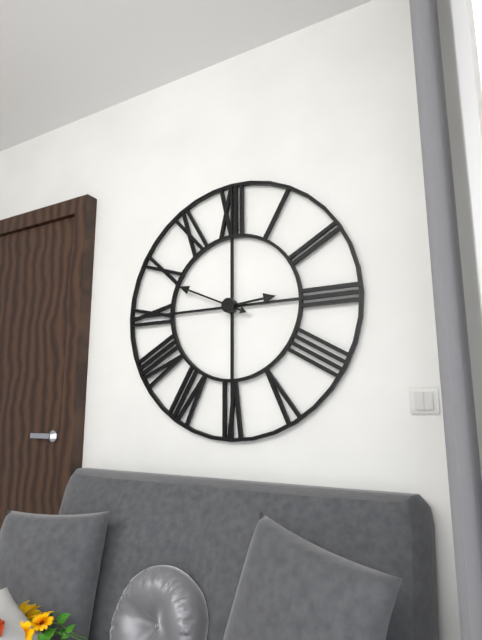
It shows 2,49
